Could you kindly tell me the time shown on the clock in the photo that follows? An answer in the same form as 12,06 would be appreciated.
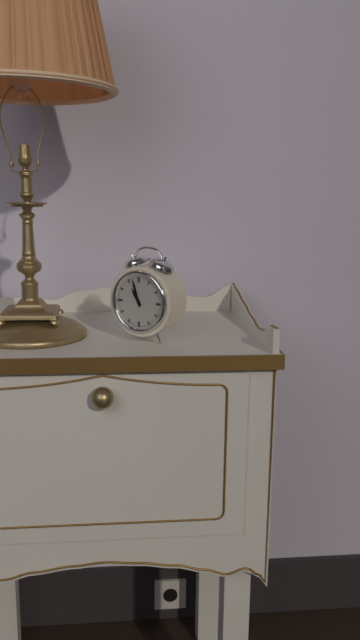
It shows 10,57
